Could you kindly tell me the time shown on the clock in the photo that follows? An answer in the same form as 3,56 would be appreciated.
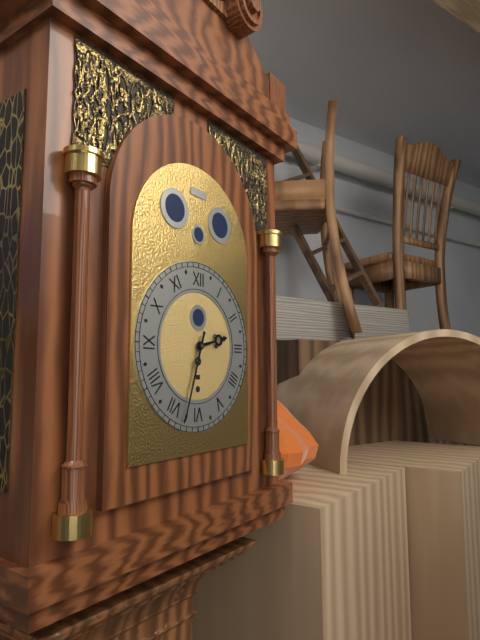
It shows 2,33
